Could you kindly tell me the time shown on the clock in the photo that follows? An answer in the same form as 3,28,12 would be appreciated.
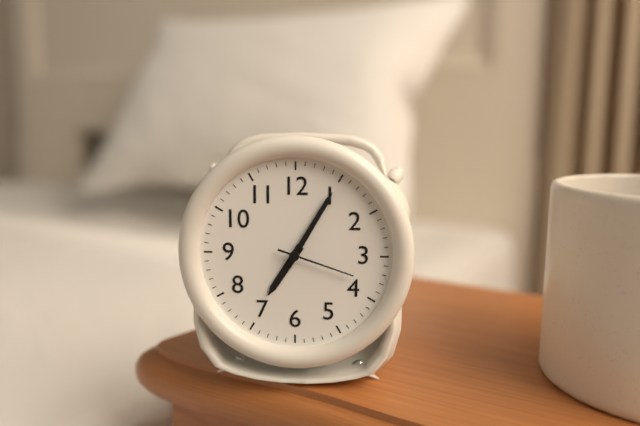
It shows 7,05,18
